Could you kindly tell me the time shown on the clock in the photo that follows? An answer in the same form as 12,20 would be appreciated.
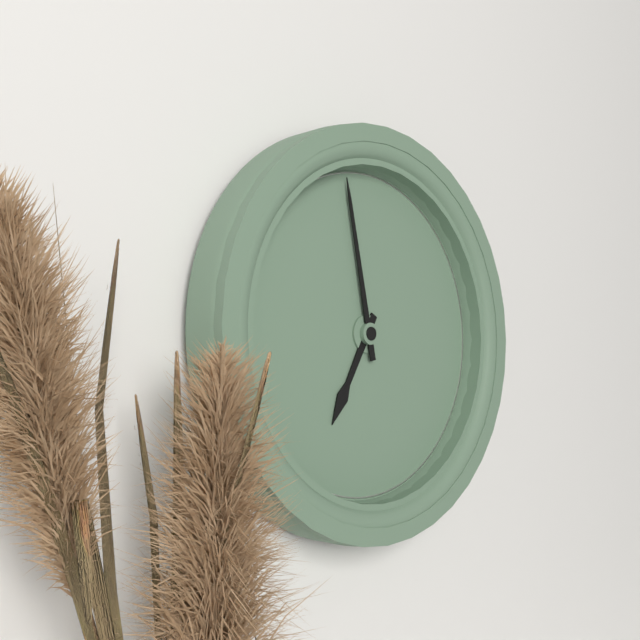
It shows 6,58
